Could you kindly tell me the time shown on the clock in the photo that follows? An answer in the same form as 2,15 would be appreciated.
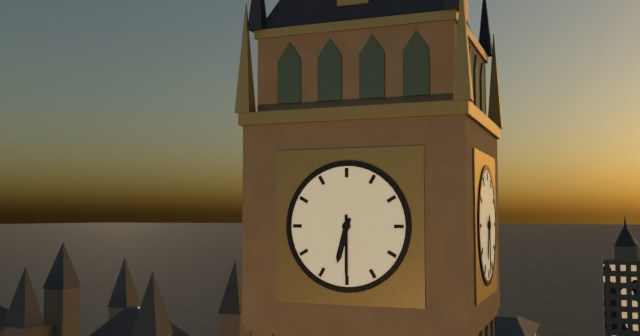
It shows 6,30
